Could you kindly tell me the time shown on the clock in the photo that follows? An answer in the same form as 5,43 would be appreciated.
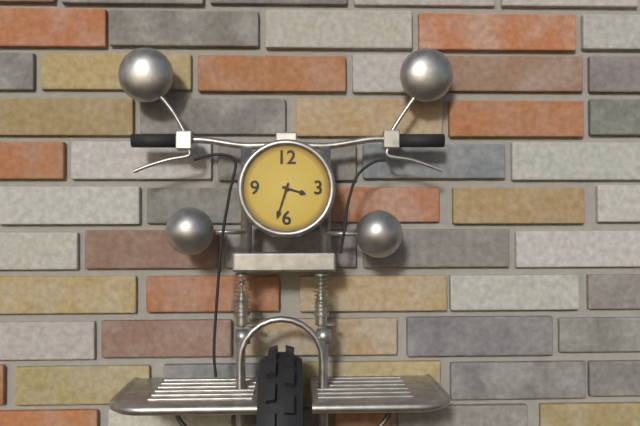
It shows 3,33
